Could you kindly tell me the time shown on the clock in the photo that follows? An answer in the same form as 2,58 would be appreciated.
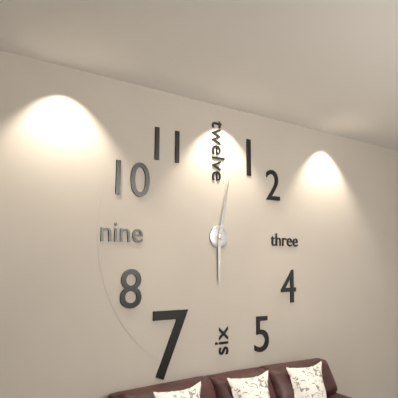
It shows 6,02
